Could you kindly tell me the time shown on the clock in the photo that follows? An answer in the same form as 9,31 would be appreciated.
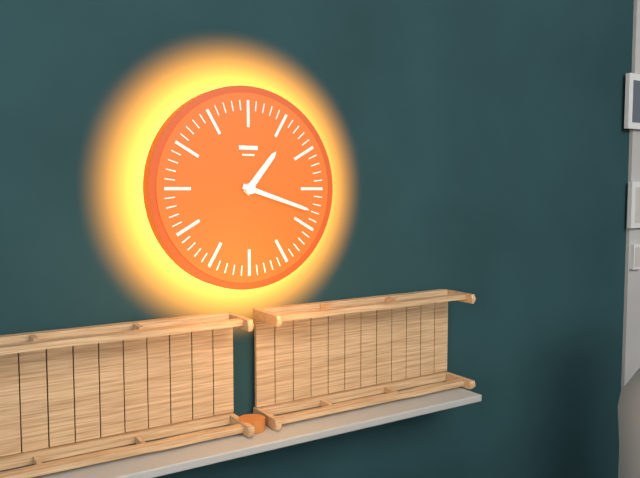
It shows 1,18
